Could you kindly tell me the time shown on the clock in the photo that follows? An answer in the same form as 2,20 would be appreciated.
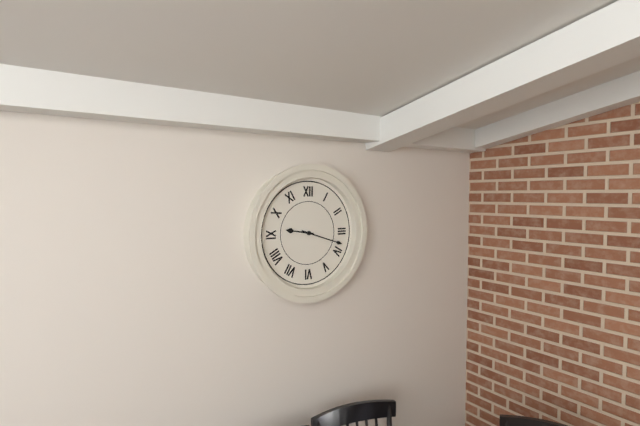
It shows 9,18
